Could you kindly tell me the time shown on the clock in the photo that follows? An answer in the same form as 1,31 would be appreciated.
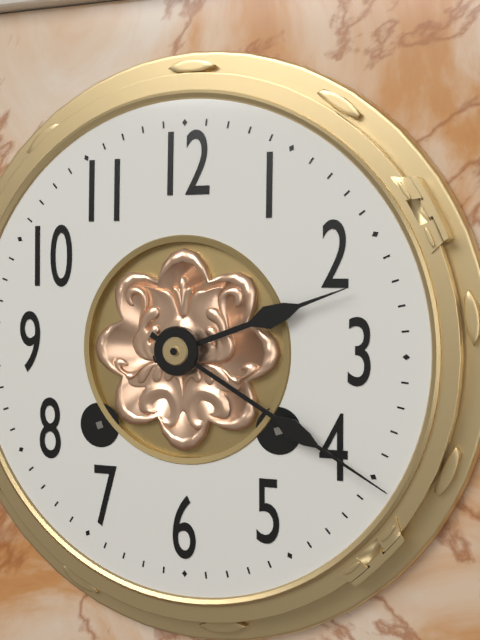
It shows 2,20
